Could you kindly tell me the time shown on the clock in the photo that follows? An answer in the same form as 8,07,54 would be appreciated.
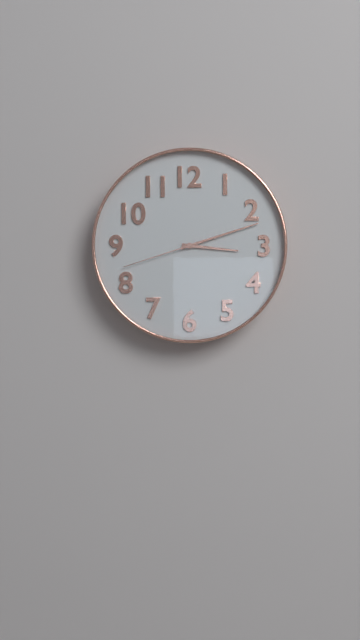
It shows 3,12,42
